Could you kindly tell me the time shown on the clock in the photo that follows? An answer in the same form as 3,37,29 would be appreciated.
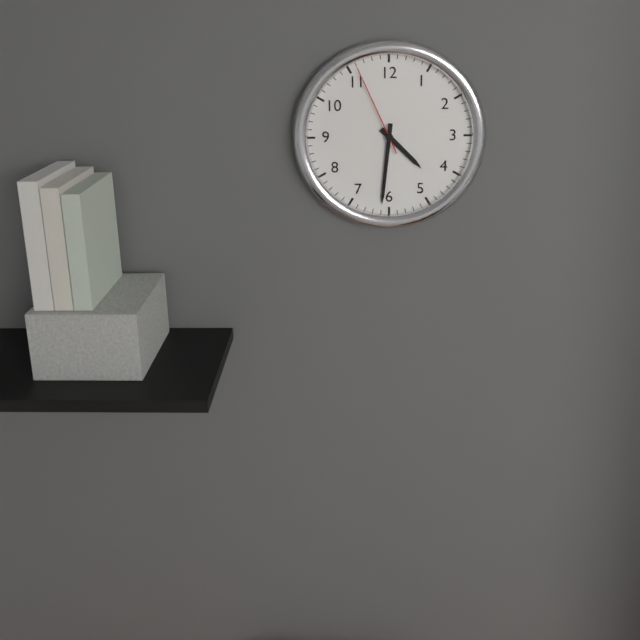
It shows 4,31,56
